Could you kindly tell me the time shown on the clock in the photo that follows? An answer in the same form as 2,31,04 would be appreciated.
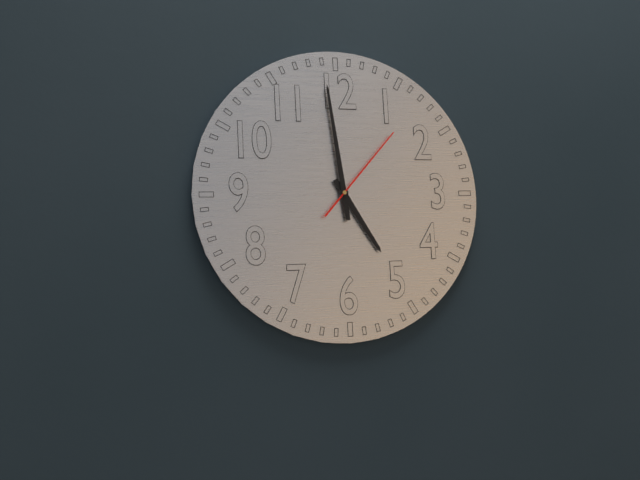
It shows 4,59,07
